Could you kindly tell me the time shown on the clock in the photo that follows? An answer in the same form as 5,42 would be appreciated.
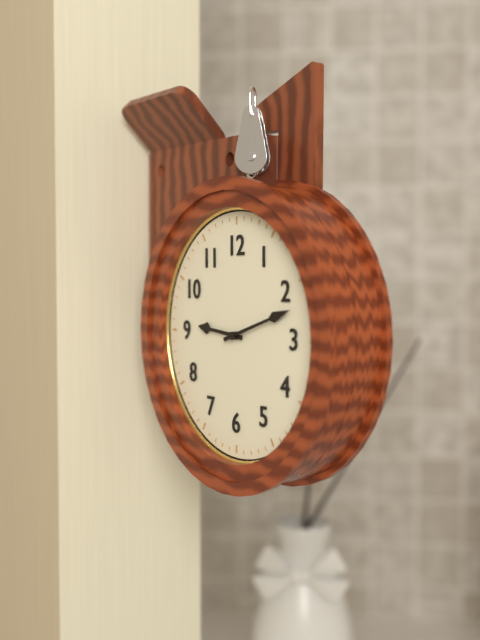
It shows 9,12
